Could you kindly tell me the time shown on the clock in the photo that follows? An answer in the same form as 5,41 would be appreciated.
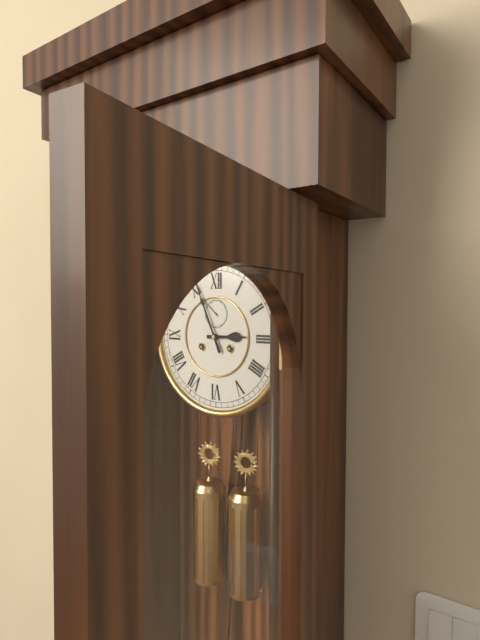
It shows 2,56
